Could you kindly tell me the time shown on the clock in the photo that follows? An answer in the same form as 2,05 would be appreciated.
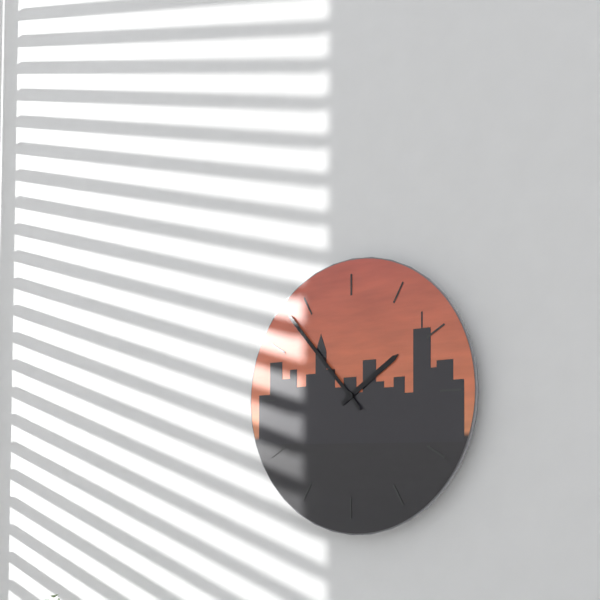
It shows 1,53
